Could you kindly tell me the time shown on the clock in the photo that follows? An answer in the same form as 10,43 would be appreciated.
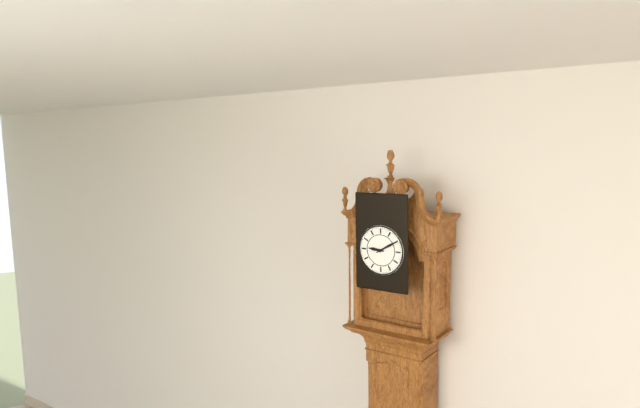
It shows 9,10
